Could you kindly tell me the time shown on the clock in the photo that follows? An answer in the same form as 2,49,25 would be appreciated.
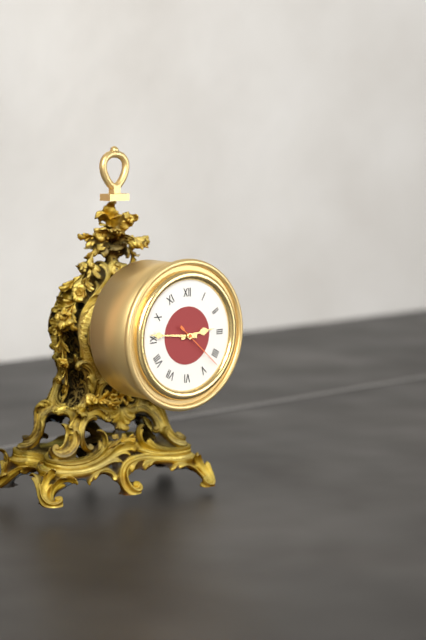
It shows 2,46,22
